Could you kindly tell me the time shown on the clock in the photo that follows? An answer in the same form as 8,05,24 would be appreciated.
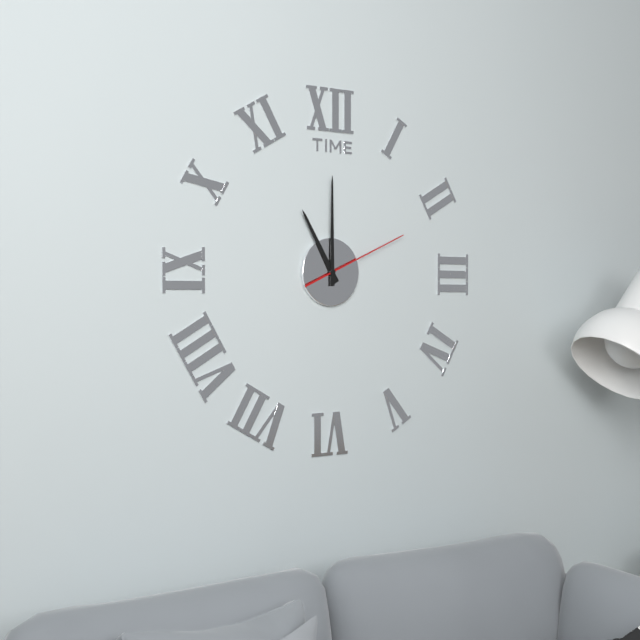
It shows 11,00,11
